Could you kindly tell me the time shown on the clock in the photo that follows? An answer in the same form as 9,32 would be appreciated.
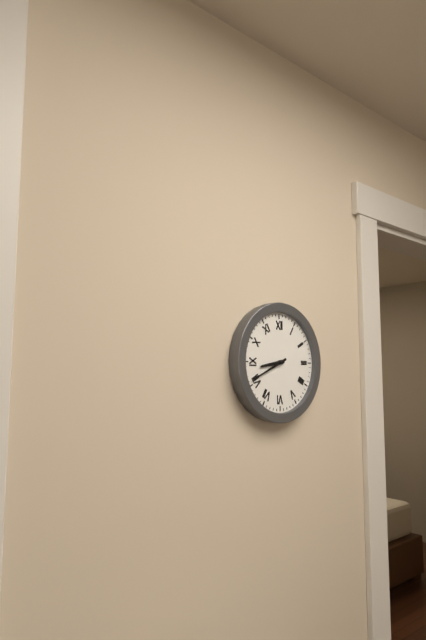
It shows 8,41
